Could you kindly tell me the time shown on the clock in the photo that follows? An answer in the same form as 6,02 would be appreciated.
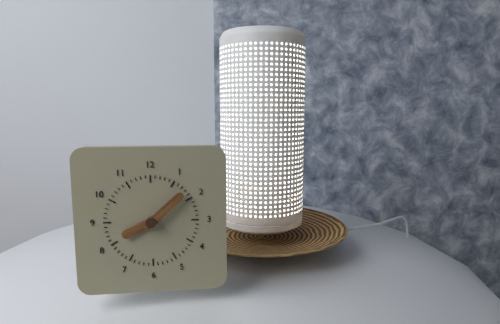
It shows 8,08
